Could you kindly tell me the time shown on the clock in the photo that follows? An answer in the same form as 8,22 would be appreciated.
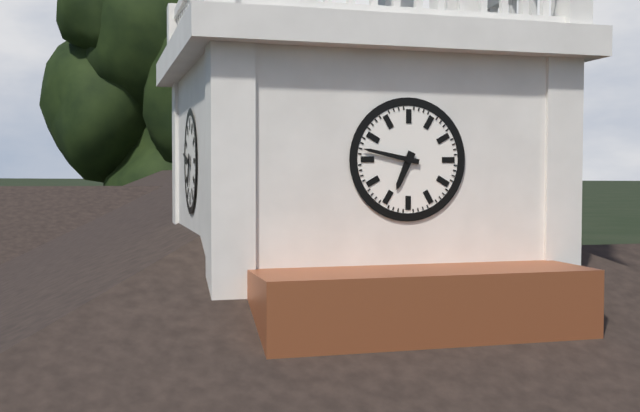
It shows 6,47
